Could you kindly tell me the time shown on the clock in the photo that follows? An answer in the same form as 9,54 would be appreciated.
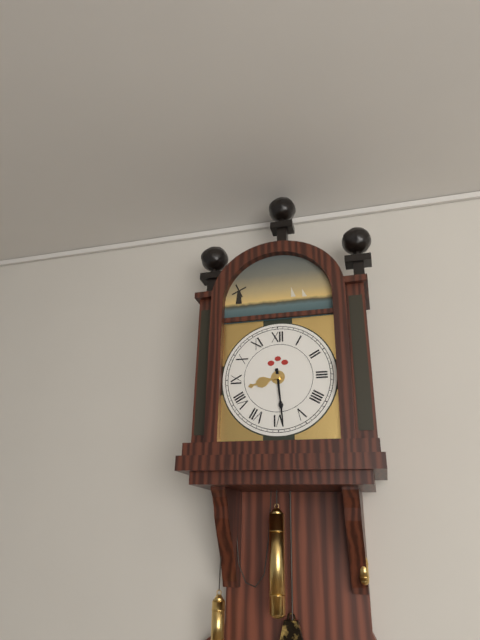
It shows 8,29
